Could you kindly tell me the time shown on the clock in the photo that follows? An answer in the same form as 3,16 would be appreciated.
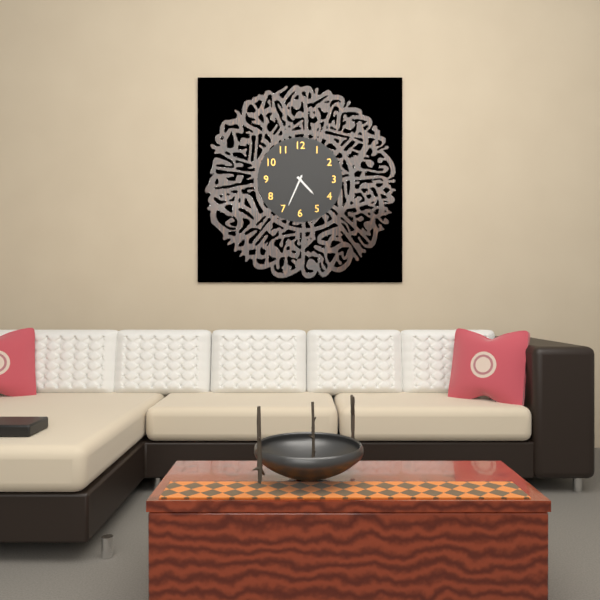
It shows 4,34
